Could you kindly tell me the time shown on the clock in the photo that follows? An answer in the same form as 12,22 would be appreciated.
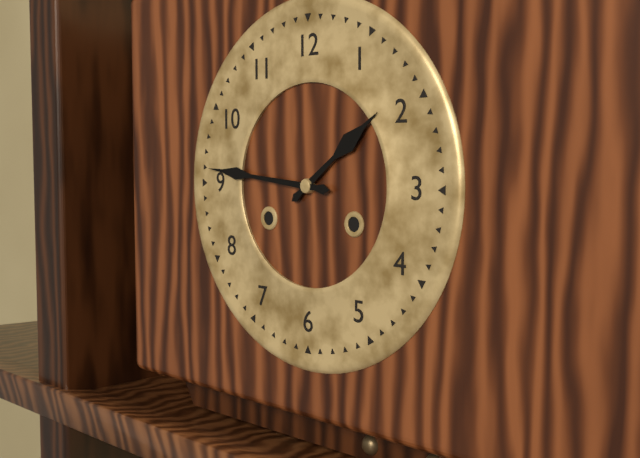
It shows 1,46
